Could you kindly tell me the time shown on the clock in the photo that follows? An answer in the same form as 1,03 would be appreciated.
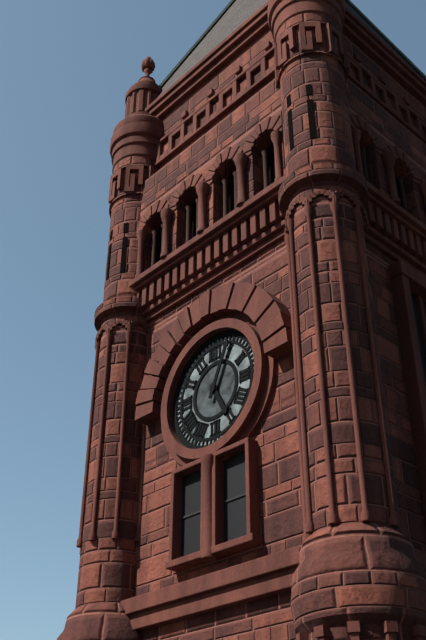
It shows 5,04
